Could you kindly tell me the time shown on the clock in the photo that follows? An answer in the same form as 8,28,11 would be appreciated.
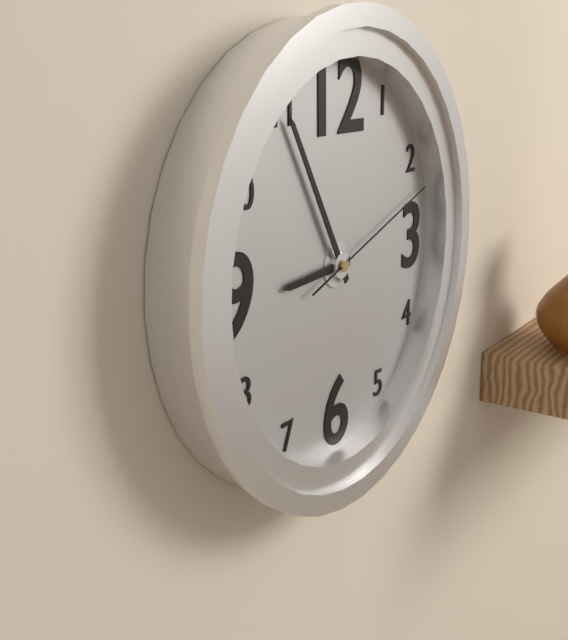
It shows 8,55,12
